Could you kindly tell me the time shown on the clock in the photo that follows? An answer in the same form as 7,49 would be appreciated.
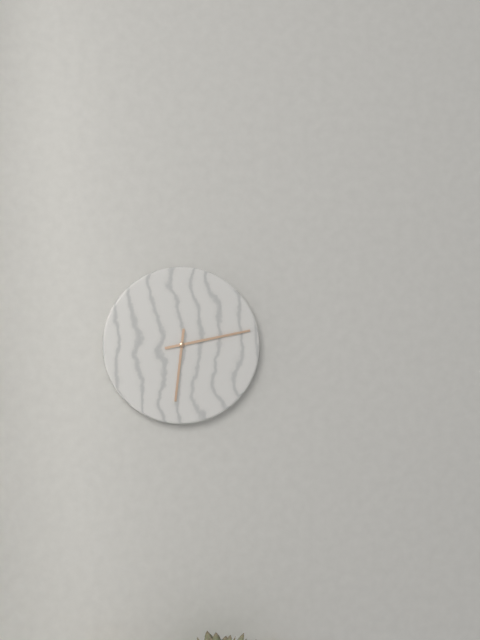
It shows 6,13
